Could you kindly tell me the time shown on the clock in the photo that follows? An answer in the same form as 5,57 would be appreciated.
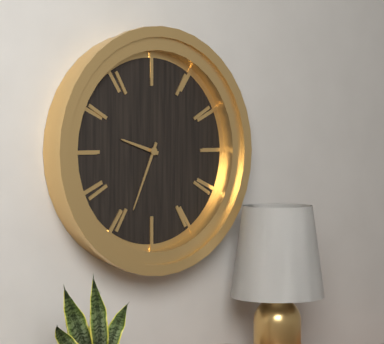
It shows 9,34
